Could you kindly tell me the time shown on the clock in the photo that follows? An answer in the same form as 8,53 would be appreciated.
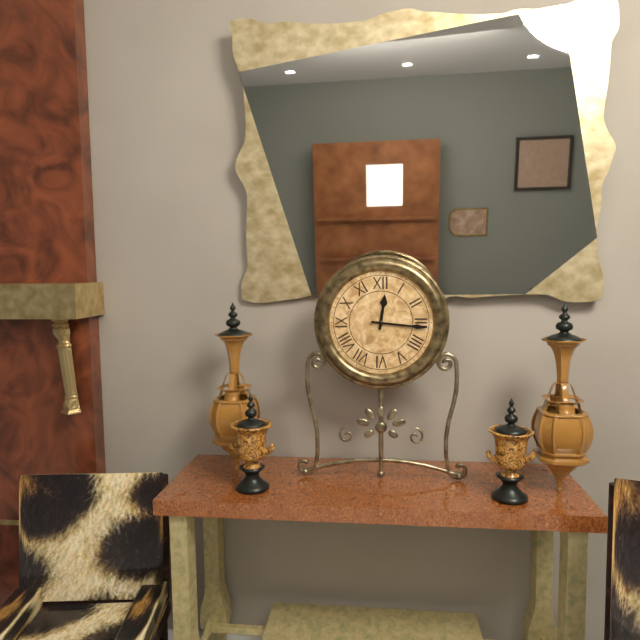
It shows 12,16
